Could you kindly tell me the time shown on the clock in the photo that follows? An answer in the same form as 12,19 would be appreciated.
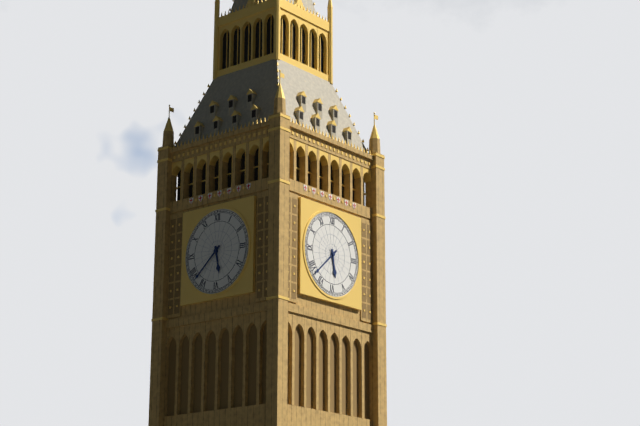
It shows 5,38
